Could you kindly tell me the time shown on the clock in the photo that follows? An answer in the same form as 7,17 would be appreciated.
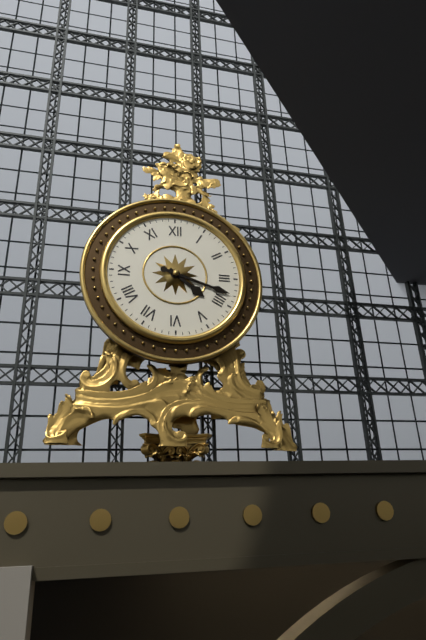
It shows 4,18
